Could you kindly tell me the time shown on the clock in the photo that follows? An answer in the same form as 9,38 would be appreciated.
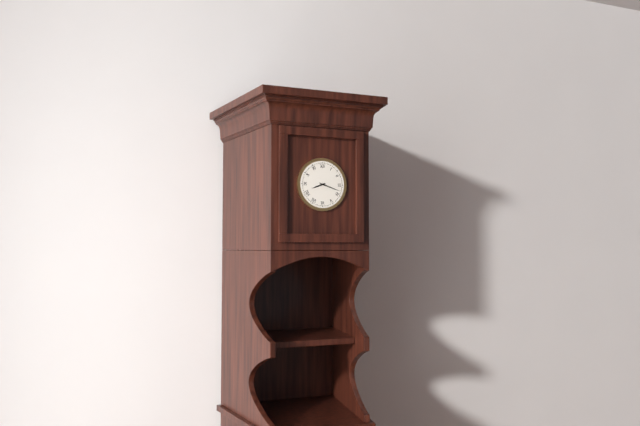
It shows 8,18
